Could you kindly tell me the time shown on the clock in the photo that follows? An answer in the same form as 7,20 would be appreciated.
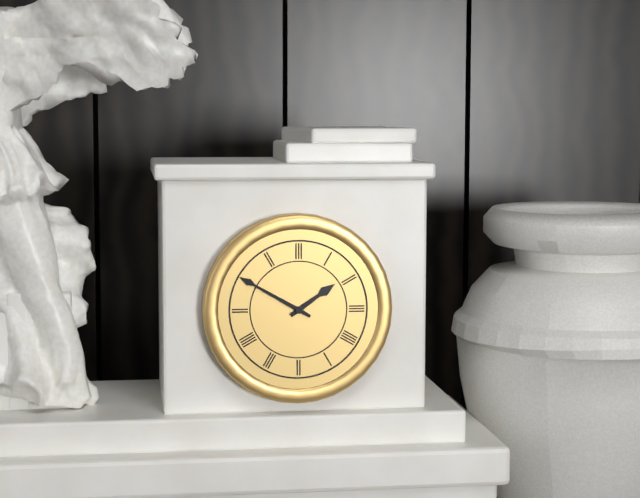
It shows 1,50
